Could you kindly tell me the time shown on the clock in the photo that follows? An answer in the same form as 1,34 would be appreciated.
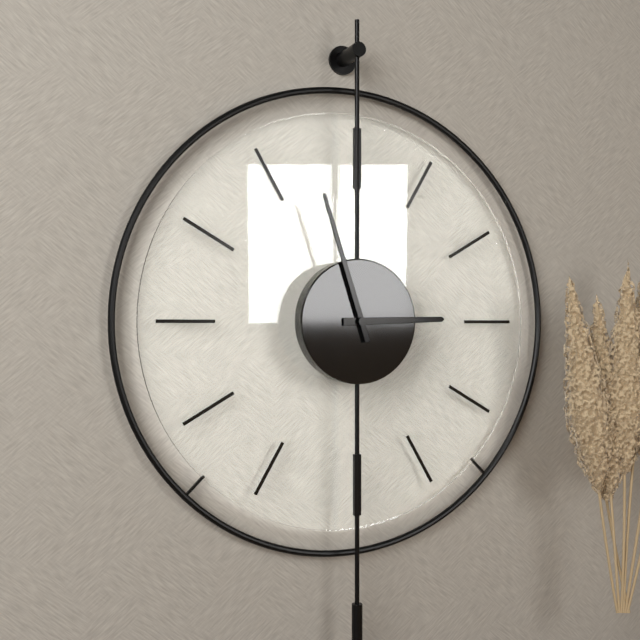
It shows 2,57
